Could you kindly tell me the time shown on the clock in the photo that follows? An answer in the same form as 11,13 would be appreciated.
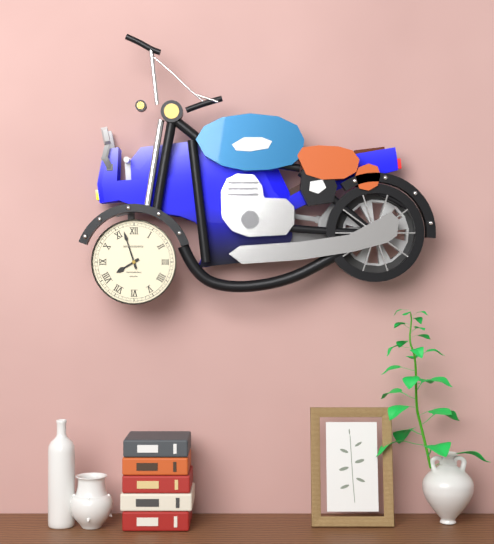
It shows 7,57
